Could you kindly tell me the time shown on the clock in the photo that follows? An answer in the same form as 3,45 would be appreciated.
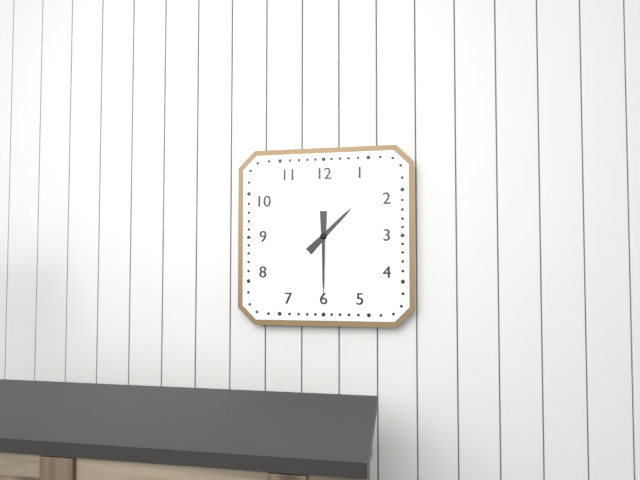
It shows 1,30
